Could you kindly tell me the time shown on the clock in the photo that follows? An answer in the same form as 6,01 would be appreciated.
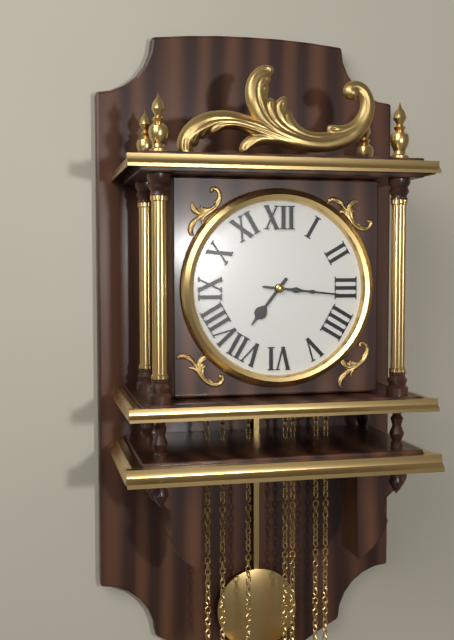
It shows 7,16
